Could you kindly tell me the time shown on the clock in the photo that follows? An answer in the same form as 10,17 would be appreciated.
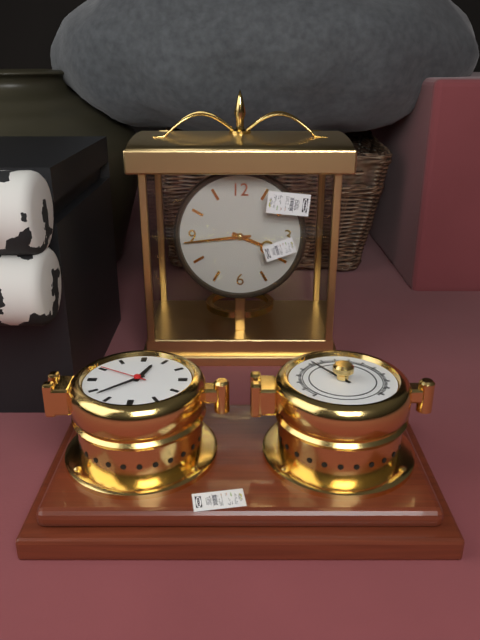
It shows 3,44
